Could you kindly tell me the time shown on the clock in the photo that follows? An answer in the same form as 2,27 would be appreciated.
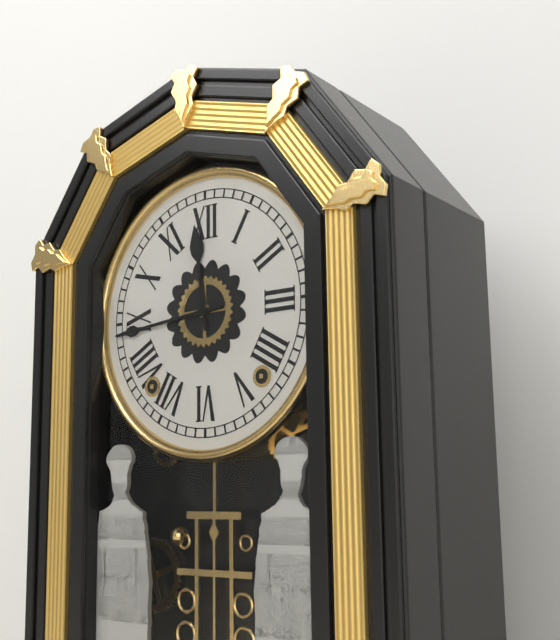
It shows 11,44
